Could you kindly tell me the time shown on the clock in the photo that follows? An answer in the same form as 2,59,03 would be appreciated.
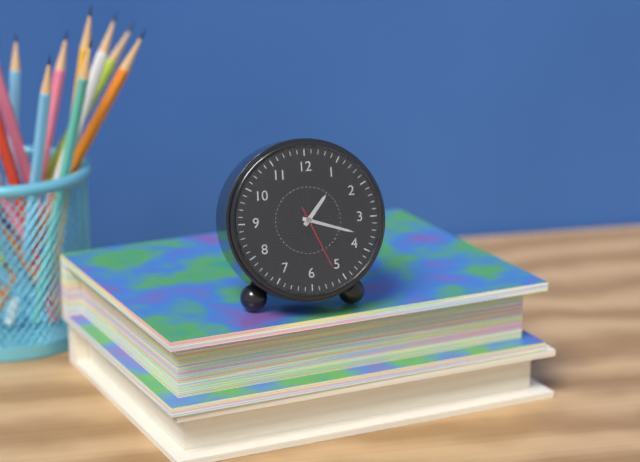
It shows 1,18,26
